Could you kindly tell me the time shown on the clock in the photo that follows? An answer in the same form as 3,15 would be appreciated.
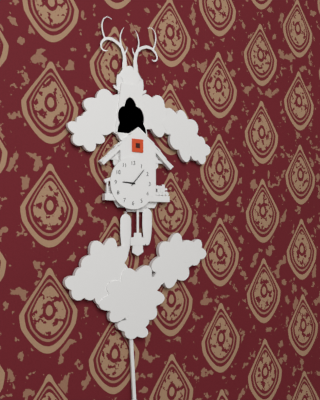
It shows 9,07
